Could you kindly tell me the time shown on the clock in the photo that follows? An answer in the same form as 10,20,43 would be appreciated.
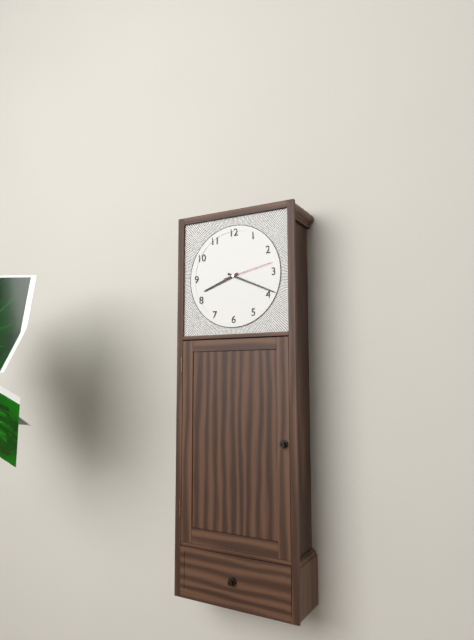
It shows 8,19,13
